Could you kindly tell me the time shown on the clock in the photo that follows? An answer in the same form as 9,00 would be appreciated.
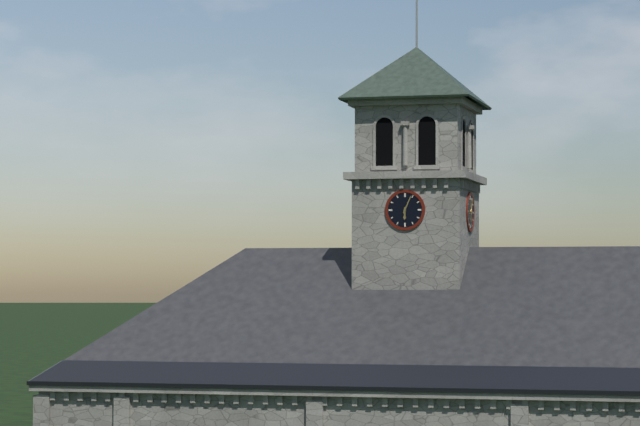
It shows 6,04
